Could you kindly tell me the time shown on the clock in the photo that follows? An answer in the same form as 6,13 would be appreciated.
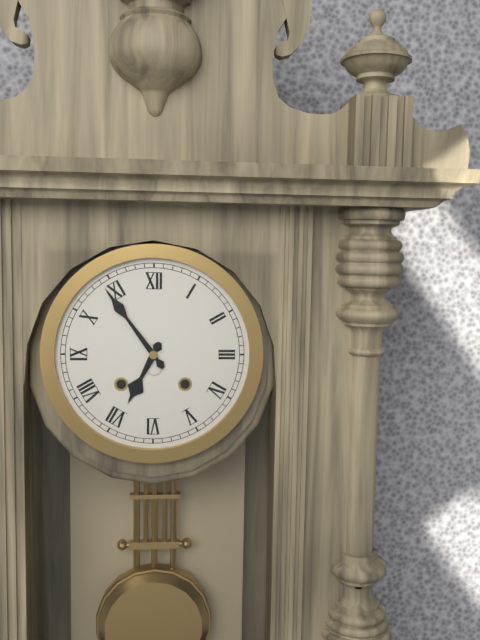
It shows 6,54
